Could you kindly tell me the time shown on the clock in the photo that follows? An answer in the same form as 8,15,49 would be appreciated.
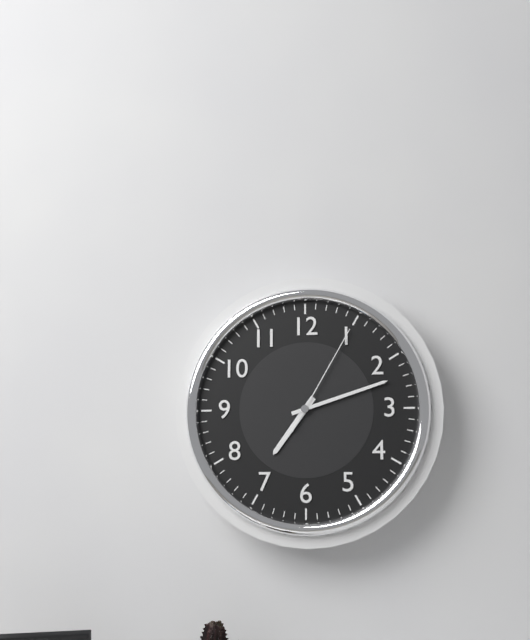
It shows 7,12,05
